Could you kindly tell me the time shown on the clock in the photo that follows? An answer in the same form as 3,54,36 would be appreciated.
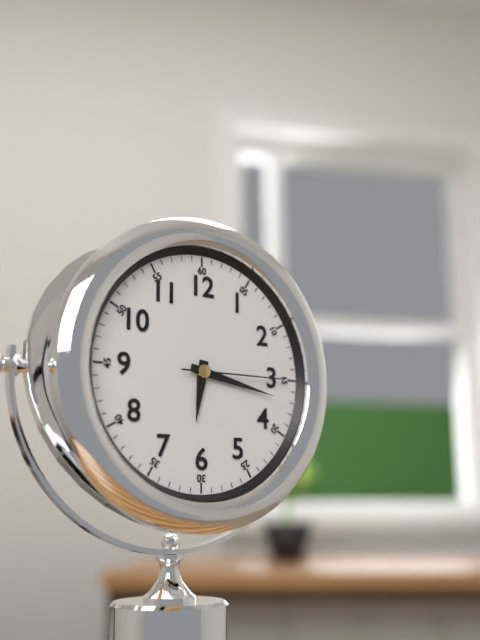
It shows 6,17,15
